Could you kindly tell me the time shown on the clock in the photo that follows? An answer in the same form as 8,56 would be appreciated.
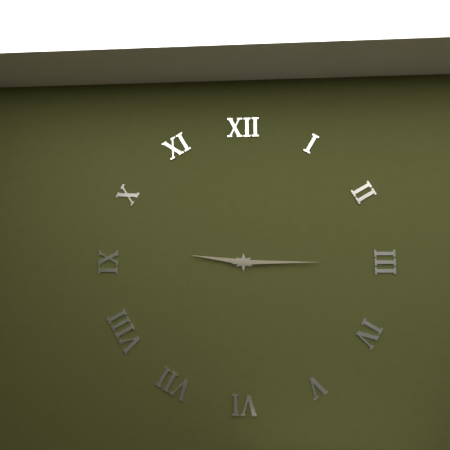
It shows 9,15
